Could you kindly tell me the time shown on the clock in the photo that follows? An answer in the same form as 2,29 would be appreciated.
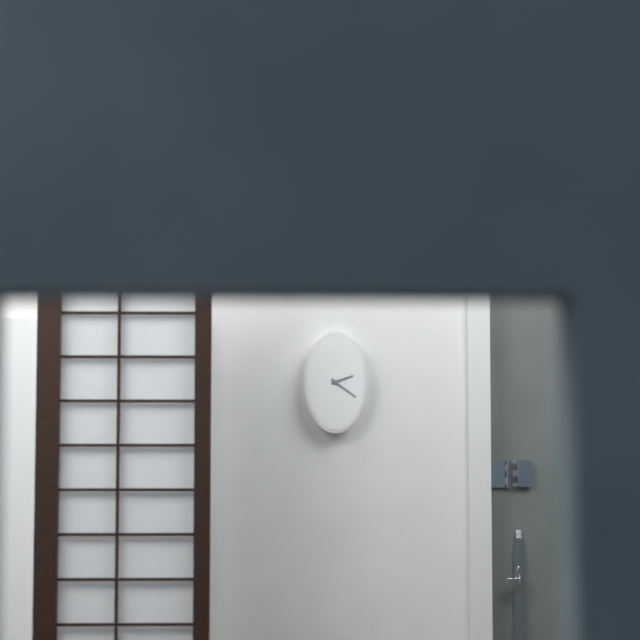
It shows 2,21
